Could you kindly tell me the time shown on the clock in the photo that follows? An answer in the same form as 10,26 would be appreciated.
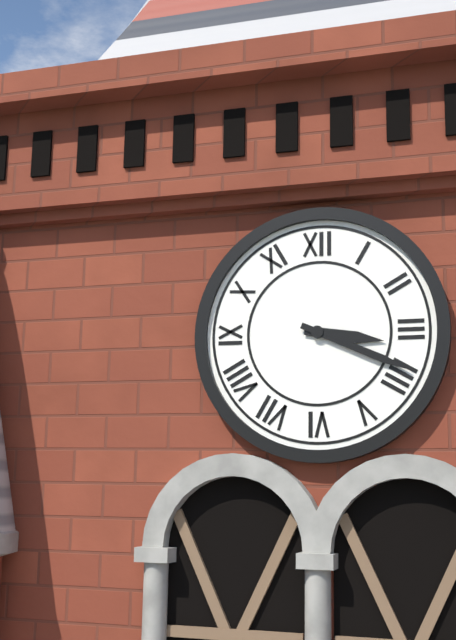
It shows 3,19
